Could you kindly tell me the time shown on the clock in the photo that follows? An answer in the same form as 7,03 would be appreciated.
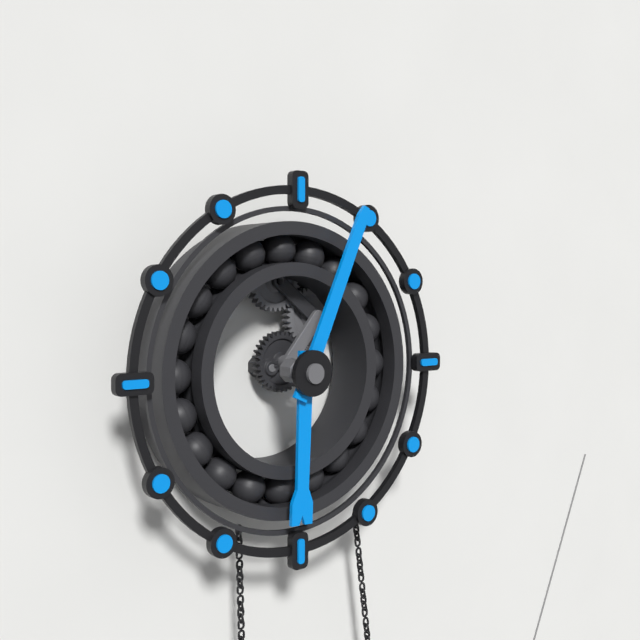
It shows 6,04
